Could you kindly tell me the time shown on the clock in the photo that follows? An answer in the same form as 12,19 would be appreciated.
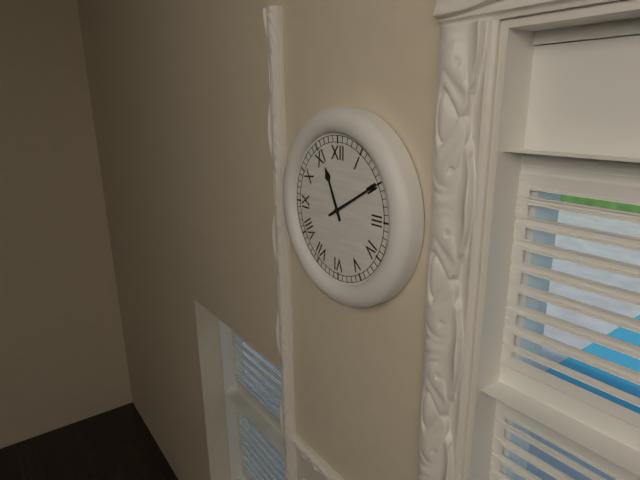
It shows 11,10
